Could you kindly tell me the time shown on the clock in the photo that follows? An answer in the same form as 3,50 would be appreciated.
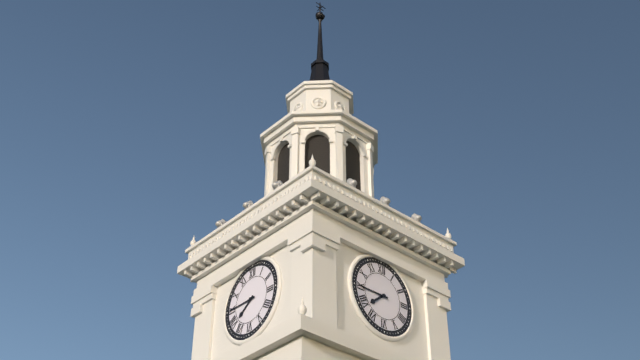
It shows 7,45
